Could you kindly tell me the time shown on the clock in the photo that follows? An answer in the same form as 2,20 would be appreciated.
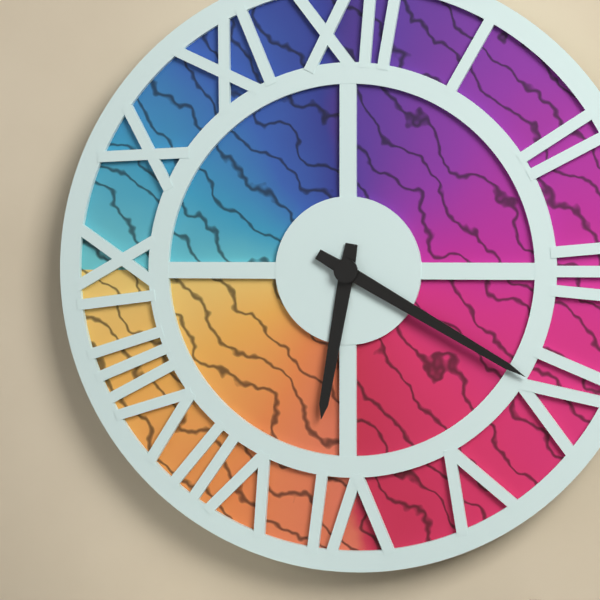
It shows 6,20
